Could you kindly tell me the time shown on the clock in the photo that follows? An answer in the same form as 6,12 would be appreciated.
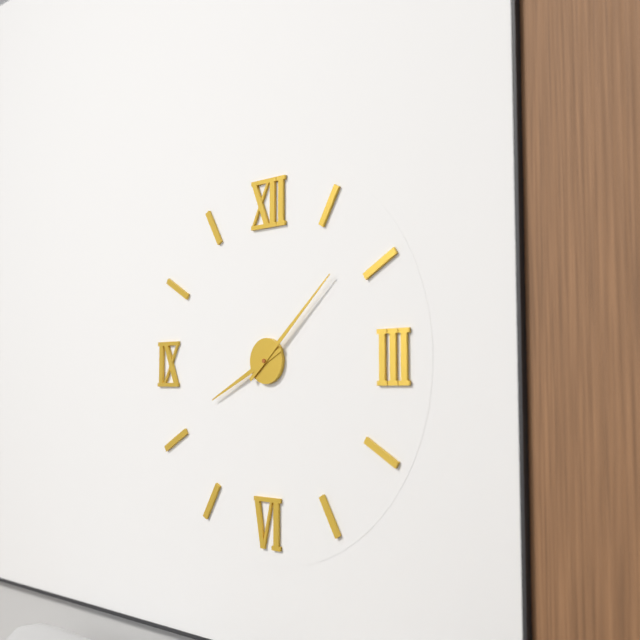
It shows 8,08
